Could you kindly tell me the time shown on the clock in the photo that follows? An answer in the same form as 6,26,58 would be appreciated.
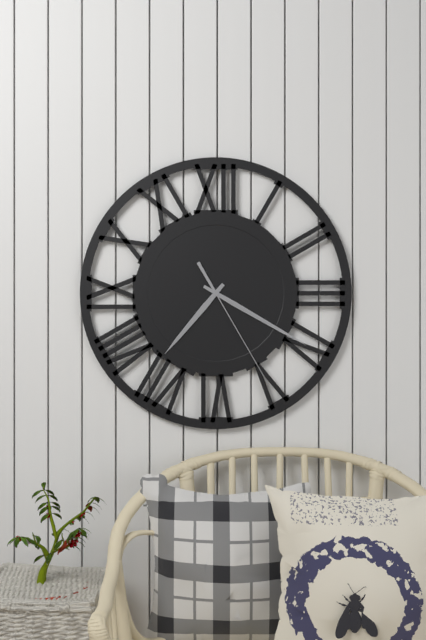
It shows 7,20,25
